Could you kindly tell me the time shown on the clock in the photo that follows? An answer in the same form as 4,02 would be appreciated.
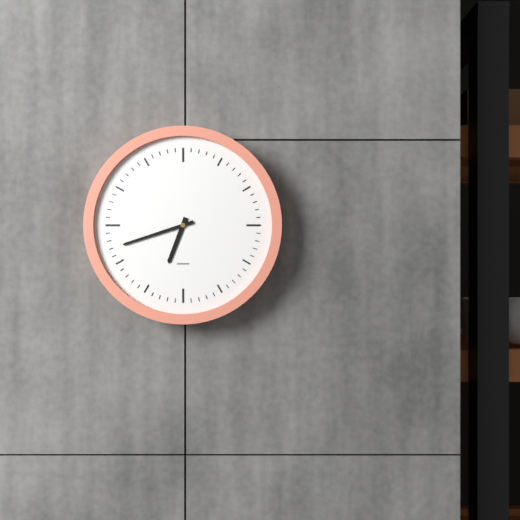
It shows 6,42
